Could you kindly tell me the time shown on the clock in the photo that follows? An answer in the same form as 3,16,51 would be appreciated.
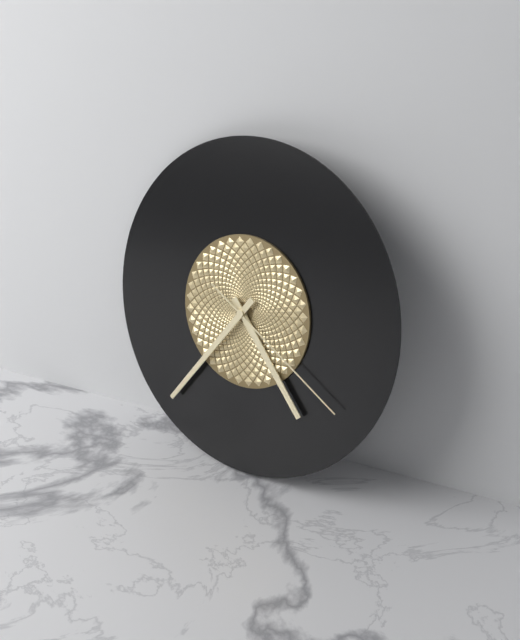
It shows 4,36,20
